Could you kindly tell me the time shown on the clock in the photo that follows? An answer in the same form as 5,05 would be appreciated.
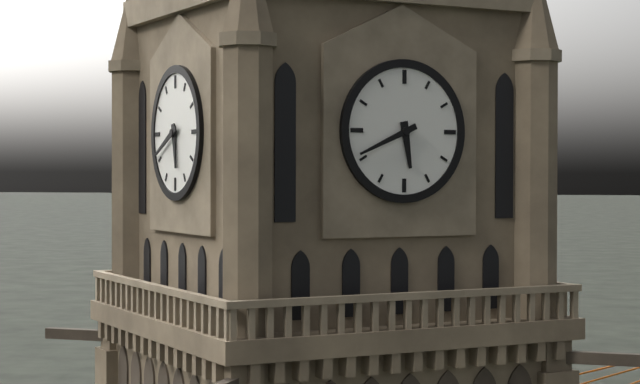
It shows 5,41
